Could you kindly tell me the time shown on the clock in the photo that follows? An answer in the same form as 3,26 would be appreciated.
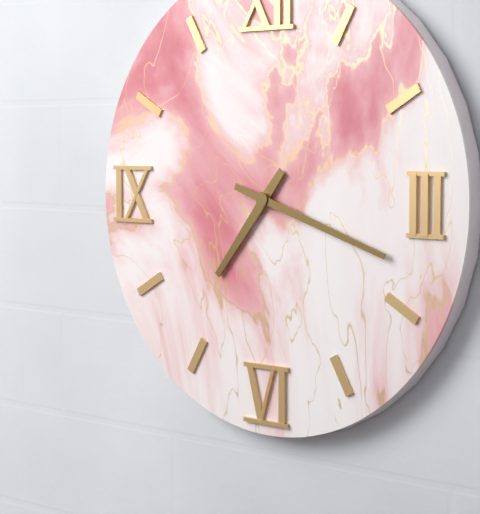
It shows 7,18
